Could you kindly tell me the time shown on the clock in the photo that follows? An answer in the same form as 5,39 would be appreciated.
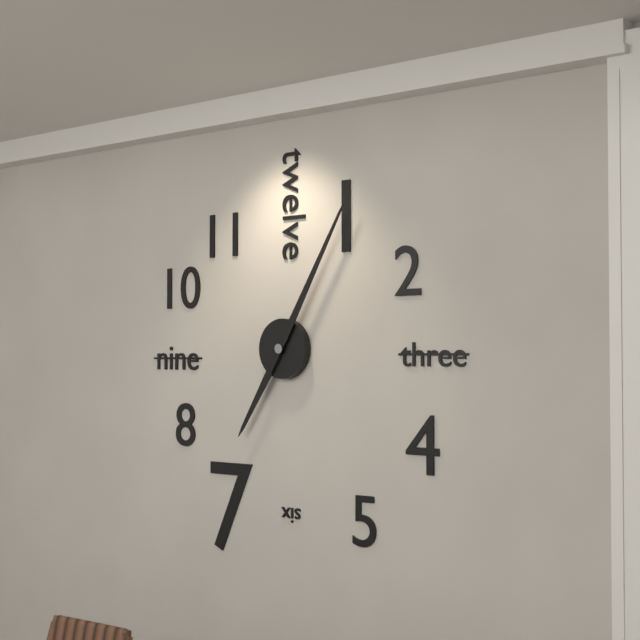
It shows 7,05
